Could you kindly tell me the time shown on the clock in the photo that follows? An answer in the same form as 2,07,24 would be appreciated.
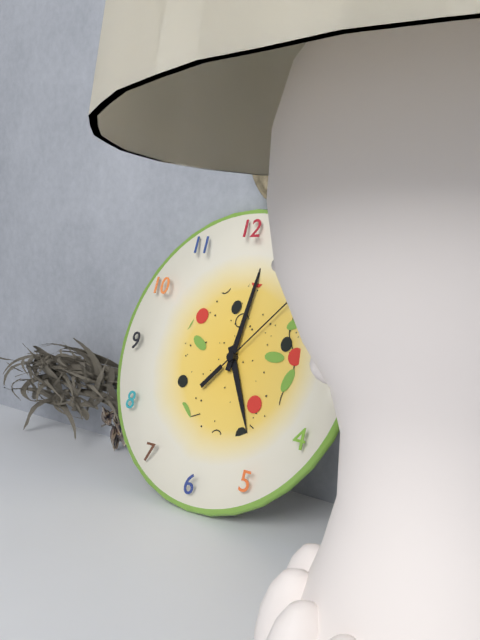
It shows 5,01,07
